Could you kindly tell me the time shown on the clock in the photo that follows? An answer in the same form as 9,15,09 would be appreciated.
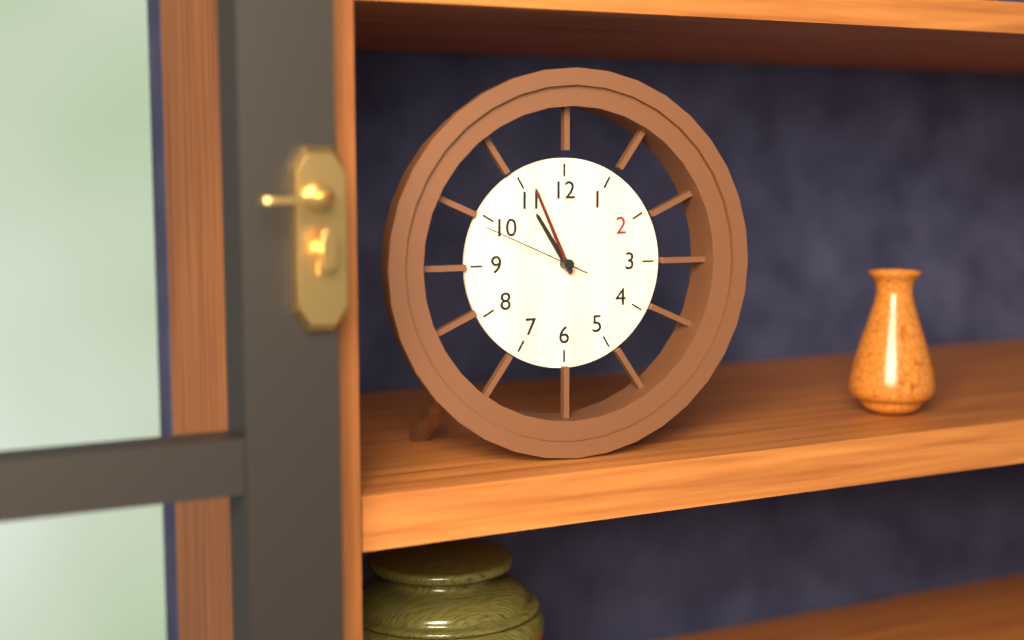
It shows 10,56,49
